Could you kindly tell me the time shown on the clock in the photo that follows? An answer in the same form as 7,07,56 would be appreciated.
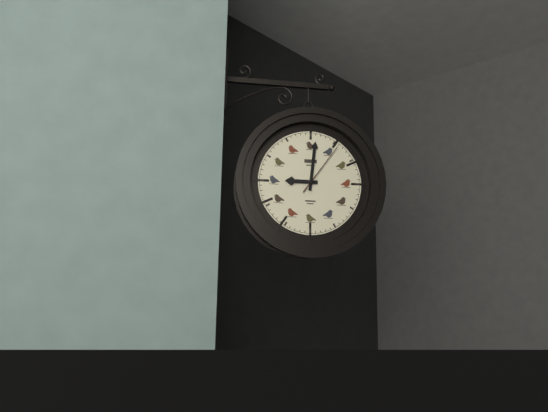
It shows 9,01,06
